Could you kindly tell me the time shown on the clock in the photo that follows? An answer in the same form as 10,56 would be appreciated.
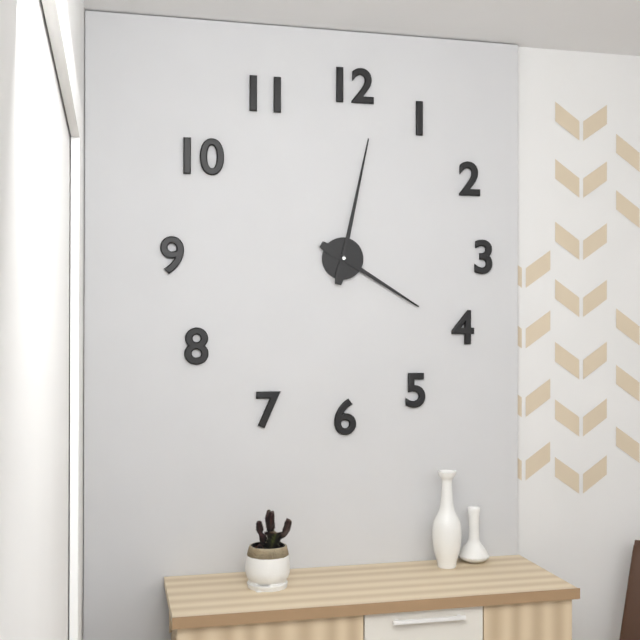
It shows 4,02
